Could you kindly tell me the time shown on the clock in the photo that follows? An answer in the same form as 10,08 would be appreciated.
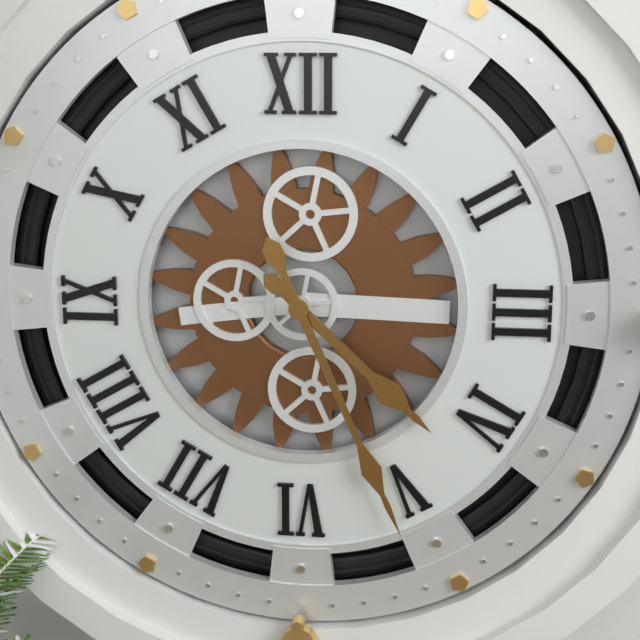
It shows 4,26
